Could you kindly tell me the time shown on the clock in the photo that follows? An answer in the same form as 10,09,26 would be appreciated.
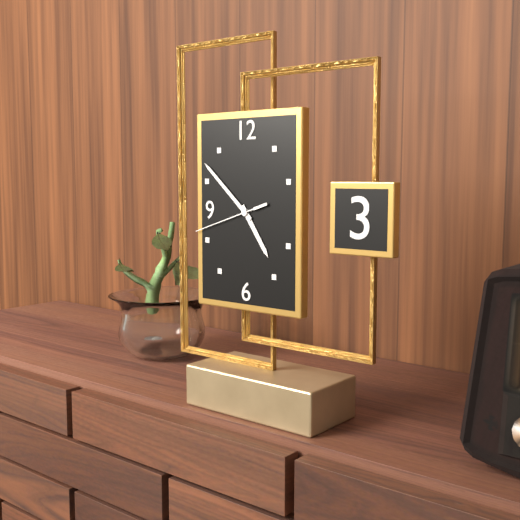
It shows 4,52,42
